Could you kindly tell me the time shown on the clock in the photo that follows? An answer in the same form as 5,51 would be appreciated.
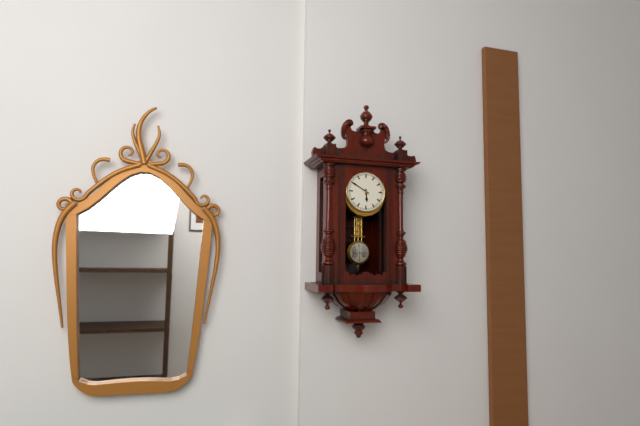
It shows 5,50
